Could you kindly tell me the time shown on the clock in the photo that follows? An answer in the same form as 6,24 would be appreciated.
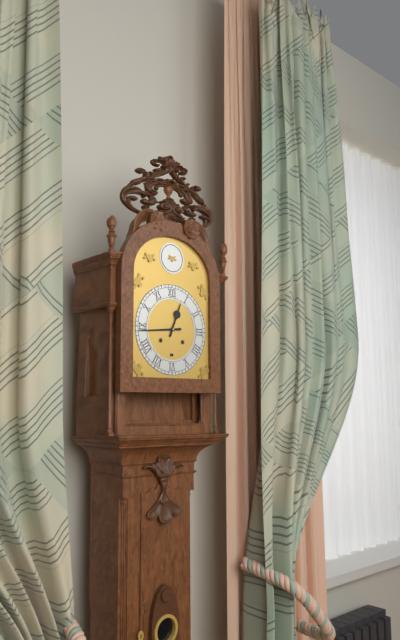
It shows 12,44
